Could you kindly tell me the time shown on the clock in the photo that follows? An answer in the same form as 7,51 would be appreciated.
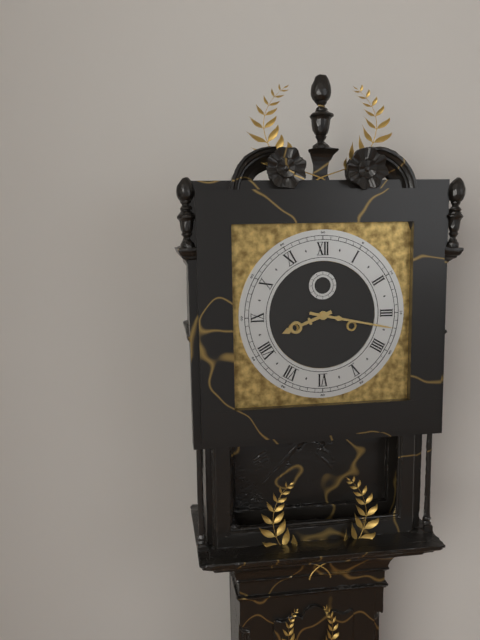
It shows 8,17
